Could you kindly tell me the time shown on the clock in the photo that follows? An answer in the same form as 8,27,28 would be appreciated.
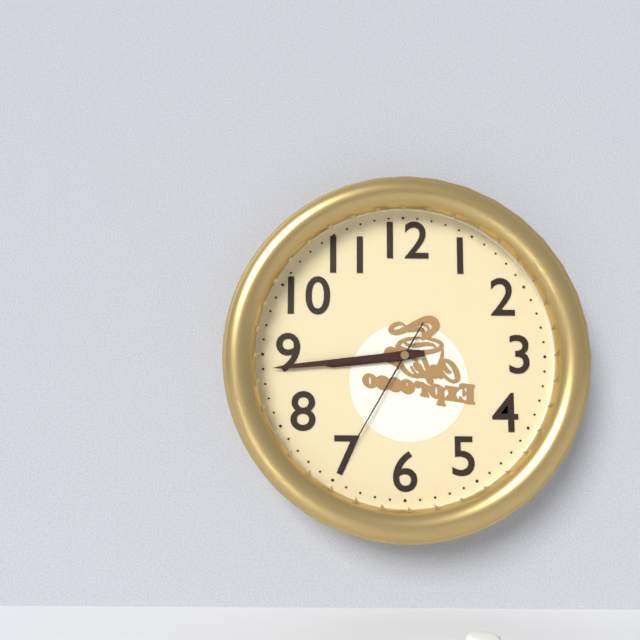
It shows 8,44,35
